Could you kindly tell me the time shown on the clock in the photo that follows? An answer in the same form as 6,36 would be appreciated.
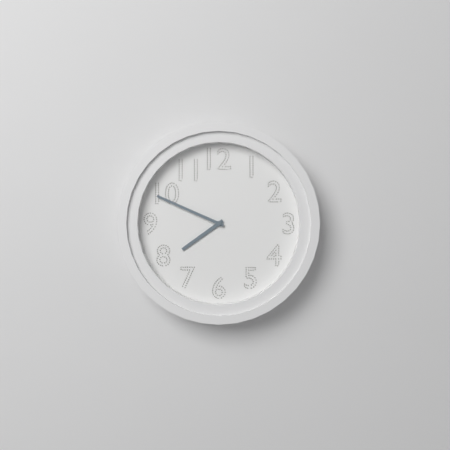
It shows 7,49
